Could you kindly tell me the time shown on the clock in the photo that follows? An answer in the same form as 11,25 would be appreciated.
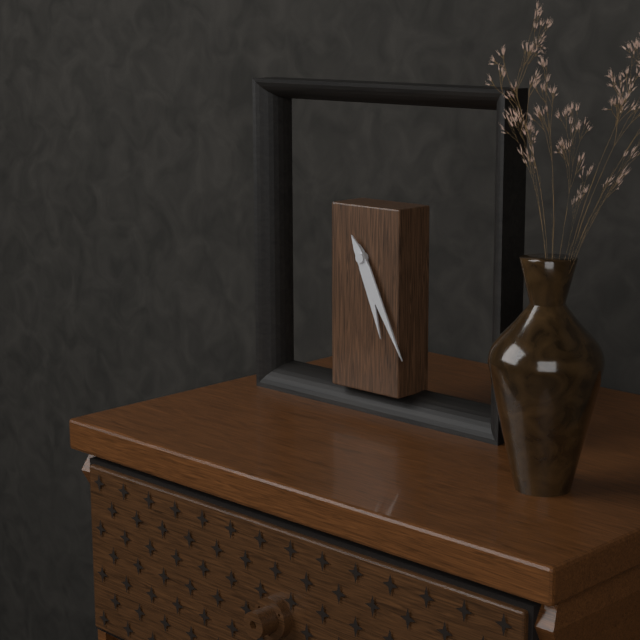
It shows 5,25
